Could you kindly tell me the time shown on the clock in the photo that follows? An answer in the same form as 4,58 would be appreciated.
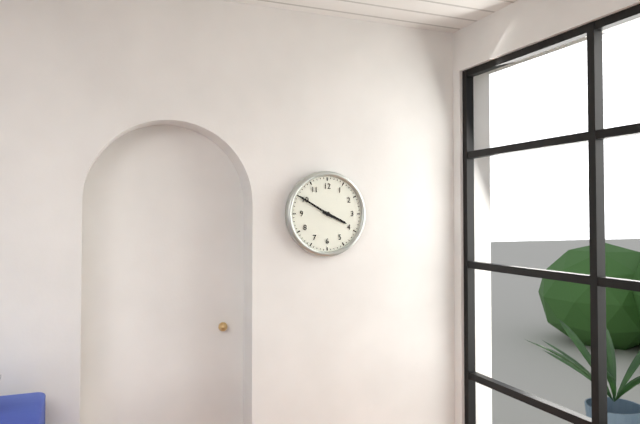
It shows 3,50
